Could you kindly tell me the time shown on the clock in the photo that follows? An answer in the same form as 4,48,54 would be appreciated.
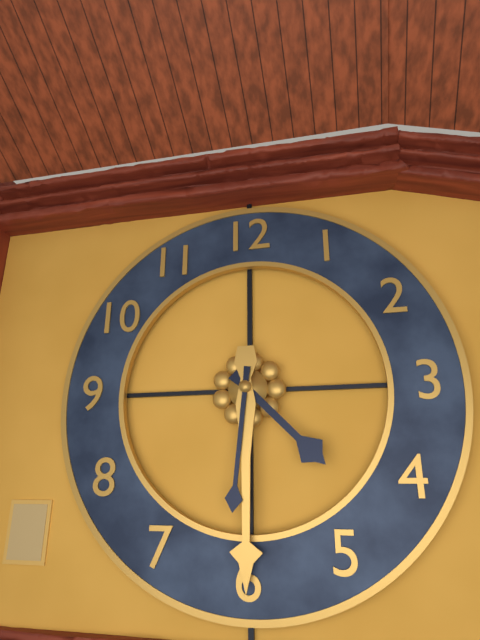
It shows 4,30,31
